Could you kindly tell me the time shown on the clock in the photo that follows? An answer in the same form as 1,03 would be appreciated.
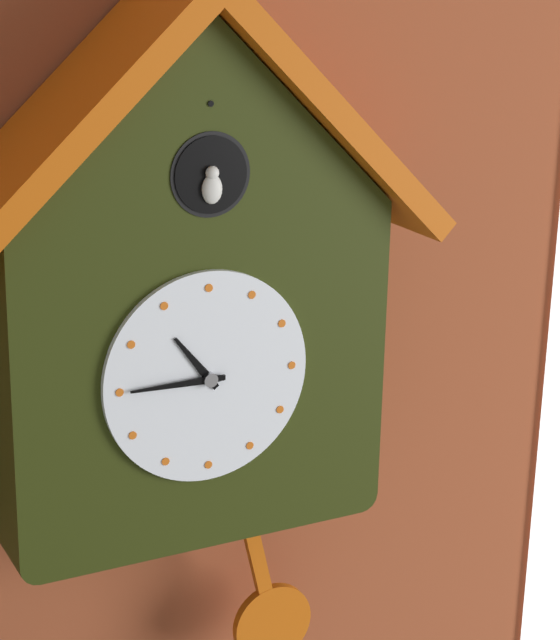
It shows 10,45
